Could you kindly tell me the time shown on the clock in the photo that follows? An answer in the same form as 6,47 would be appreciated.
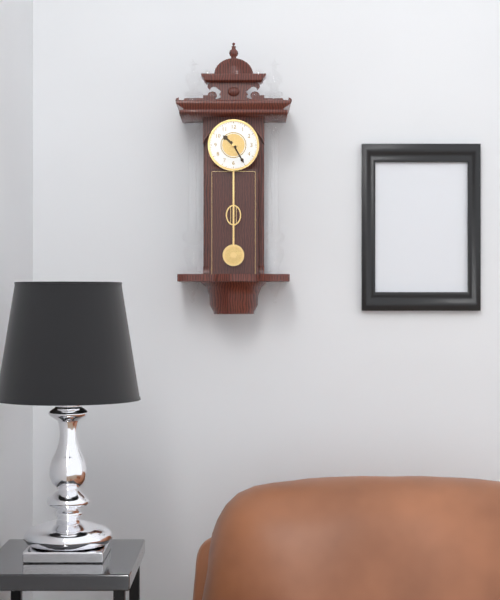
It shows 10,25
